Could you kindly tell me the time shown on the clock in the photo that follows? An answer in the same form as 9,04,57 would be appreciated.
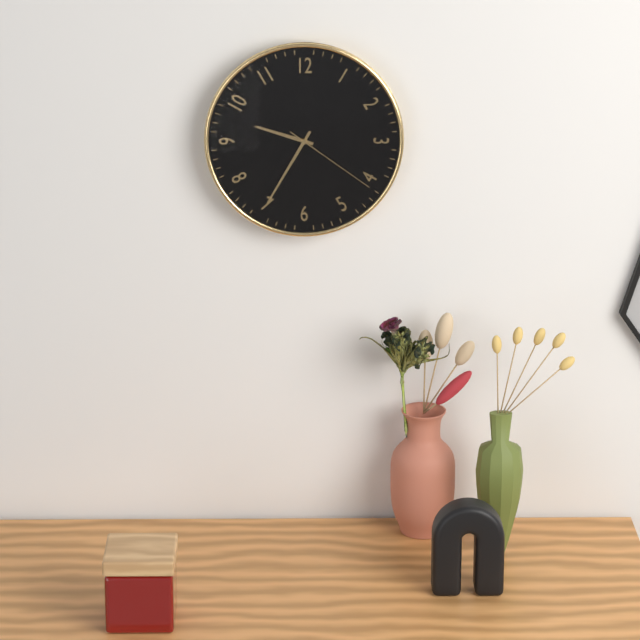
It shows 9,35,21
